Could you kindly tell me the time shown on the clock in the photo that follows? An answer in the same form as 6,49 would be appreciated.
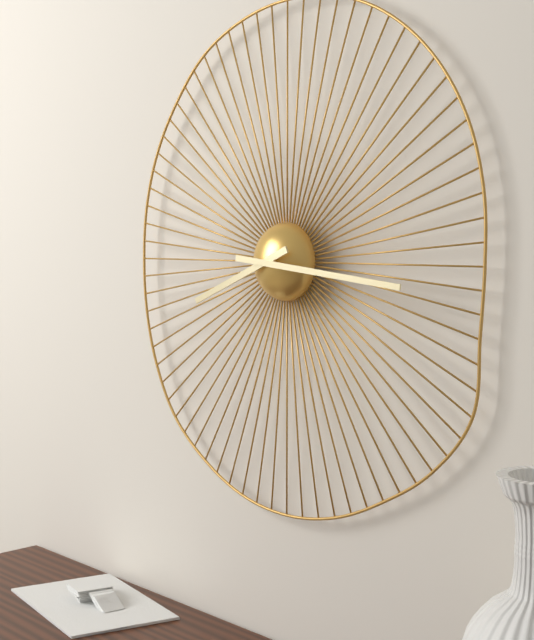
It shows 8,16
